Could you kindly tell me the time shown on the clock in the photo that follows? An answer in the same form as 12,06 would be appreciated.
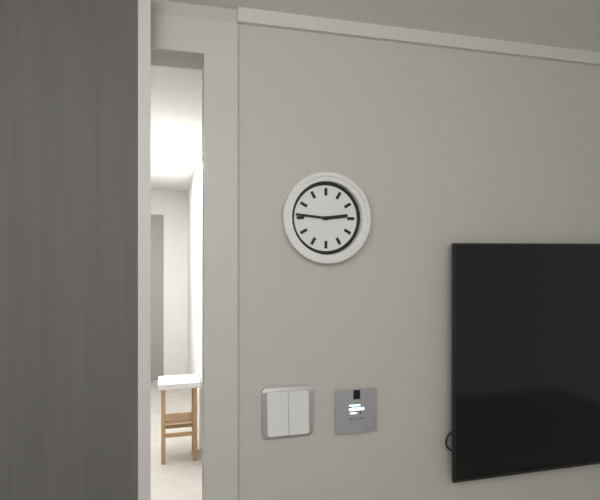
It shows 2,46
